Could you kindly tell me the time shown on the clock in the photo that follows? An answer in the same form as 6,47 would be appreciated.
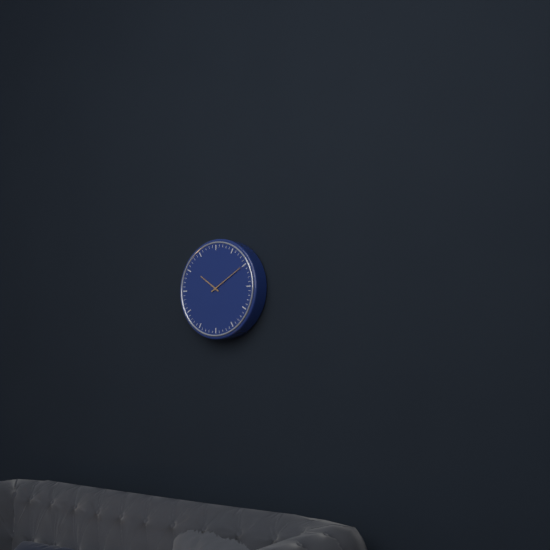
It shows 10,10
